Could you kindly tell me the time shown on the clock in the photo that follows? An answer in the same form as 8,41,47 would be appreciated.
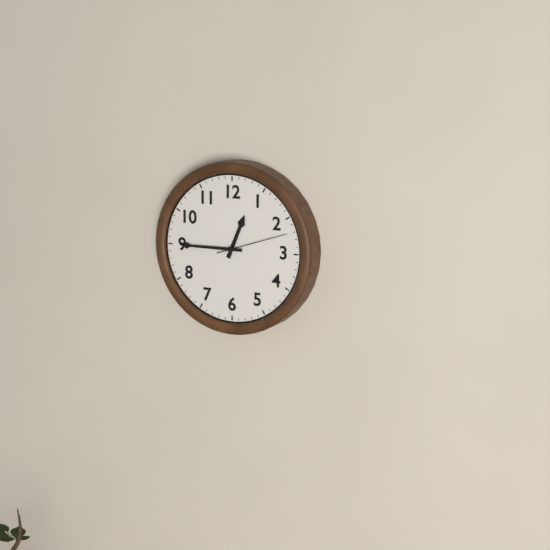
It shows 12,45,12
